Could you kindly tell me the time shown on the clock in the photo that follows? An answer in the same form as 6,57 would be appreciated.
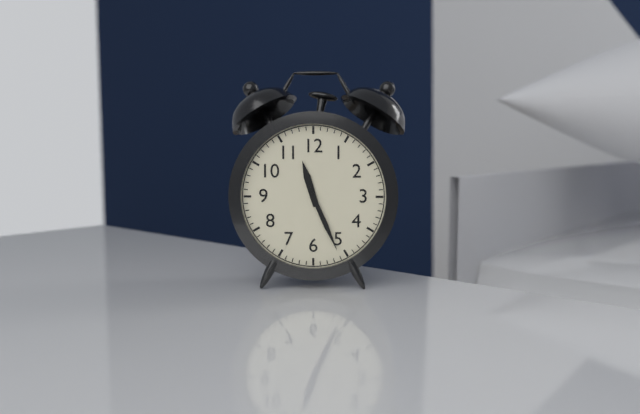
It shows 11,26
